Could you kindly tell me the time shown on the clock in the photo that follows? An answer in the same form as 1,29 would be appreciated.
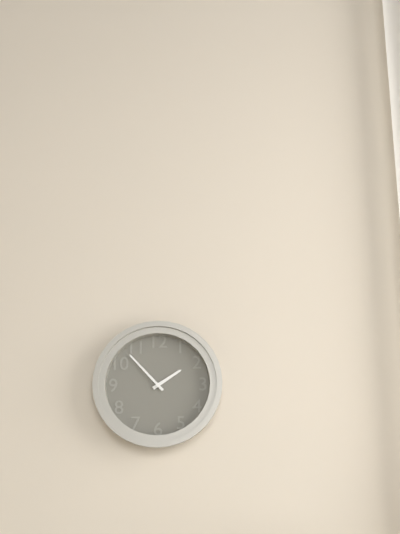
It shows 1,53
